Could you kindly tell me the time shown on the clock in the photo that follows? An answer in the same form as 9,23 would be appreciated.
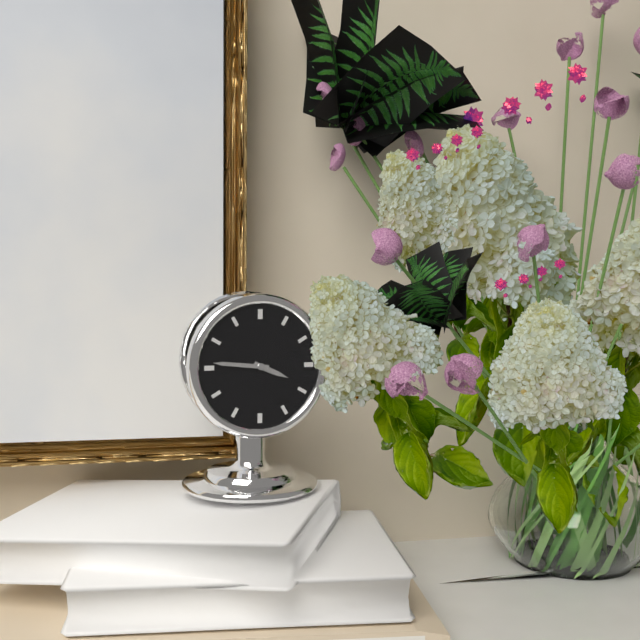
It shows 3,46
